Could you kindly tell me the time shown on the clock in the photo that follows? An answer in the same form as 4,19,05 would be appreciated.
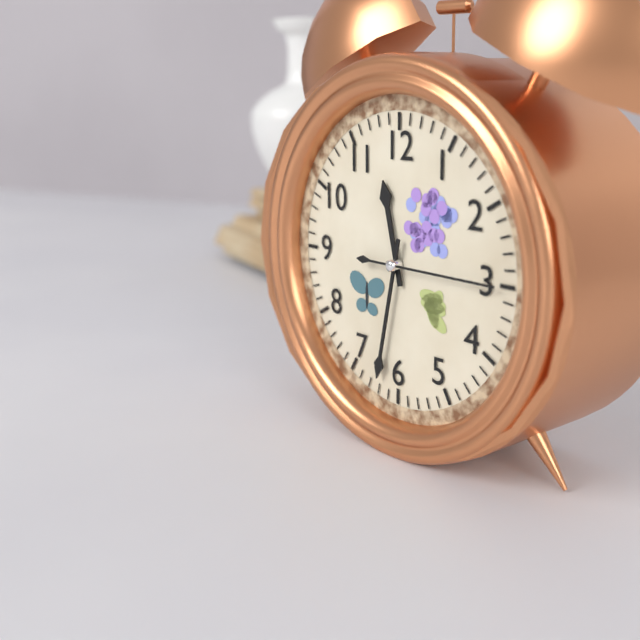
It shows 11,32,15
